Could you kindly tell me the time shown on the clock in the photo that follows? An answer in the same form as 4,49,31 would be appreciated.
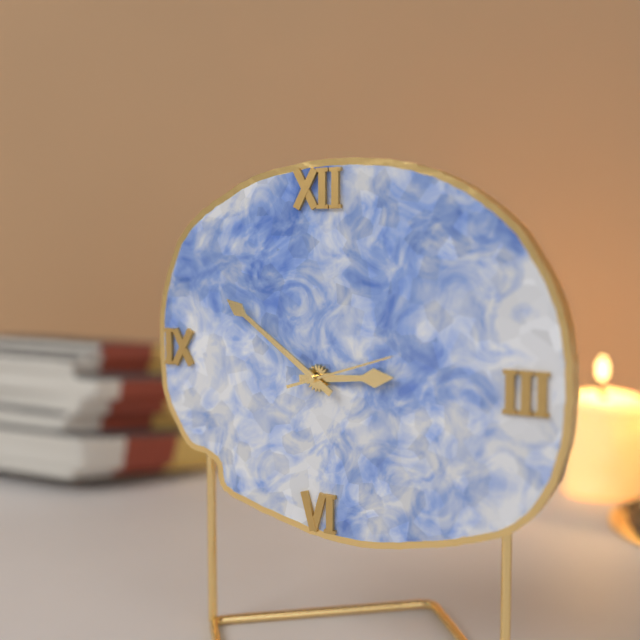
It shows 2,51,12
